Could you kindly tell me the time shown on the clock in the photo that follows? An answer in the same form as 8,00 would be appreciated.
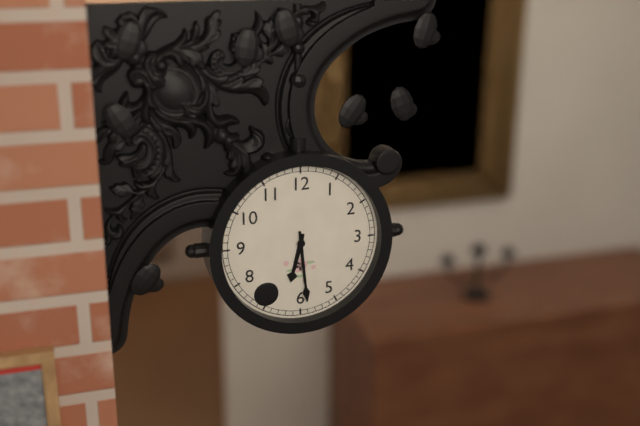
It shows 6,29
